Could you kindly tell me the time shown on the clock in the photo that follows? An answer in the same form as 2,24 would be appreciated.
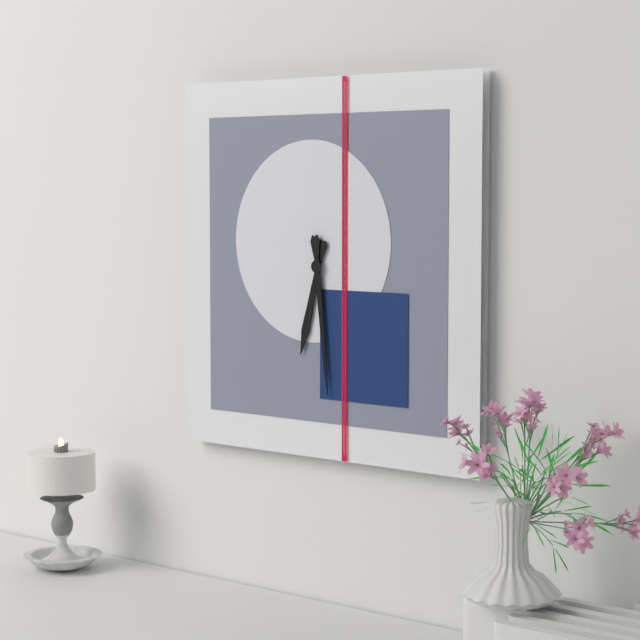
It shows 6,29
